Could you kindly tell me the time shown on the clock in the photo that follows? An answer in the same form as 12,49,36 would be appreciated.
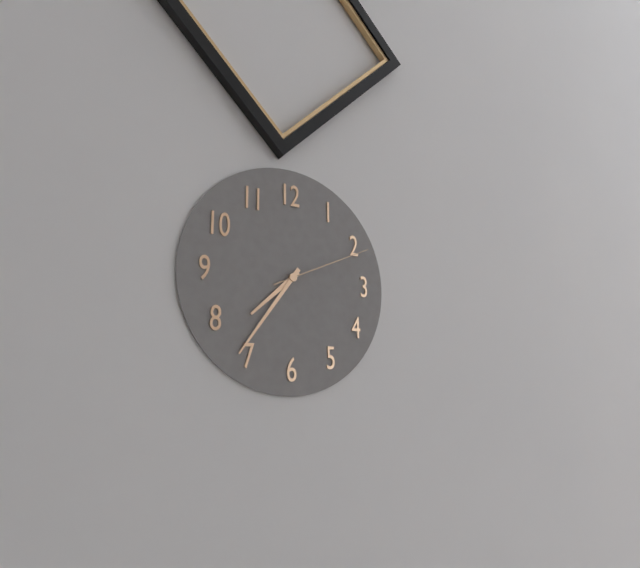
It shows 7,36,11
